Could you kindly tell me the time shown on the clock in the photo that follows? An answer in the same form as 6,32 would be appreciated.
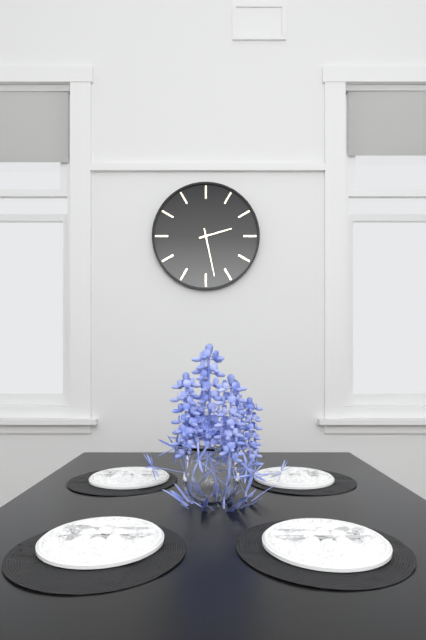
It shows 2,28
